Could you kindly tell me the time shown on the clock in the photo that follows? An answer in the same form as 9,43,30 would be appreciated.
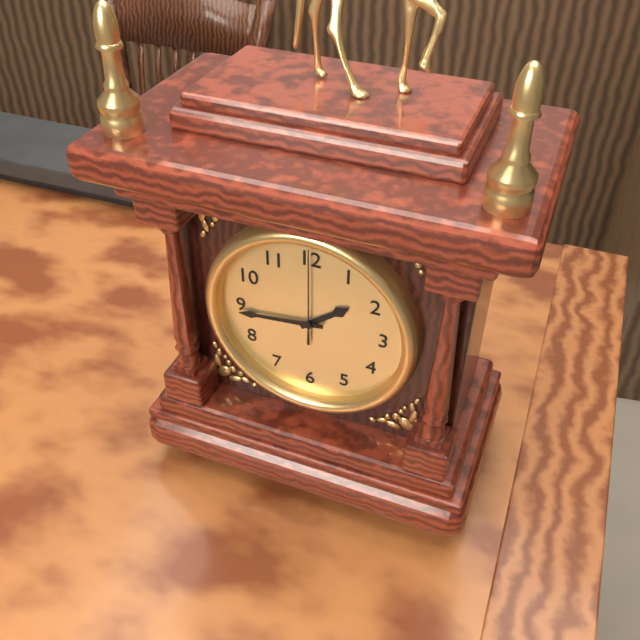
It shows 1,44,00
